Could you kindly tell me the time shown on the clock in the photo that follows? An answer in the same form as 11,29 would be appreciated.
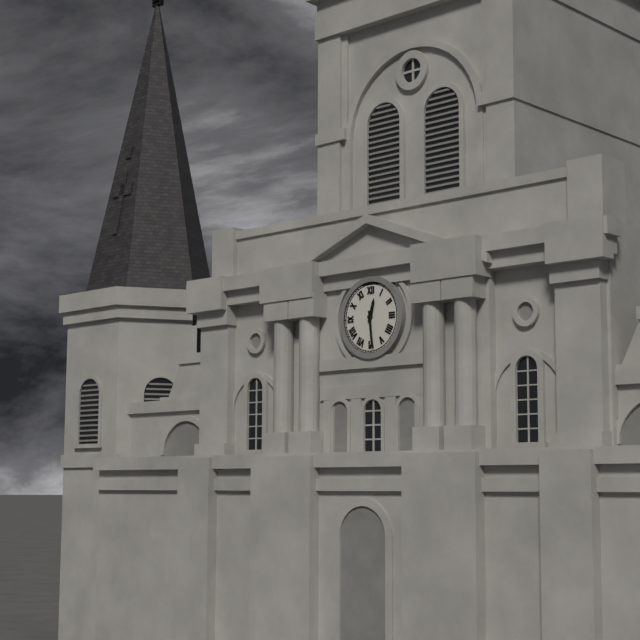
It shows 12,29
